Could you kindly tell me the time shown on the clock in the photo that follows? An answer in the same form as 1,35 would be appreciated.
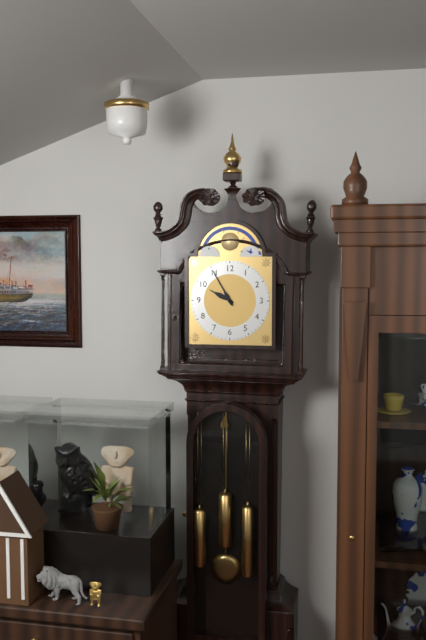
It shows 9,55
